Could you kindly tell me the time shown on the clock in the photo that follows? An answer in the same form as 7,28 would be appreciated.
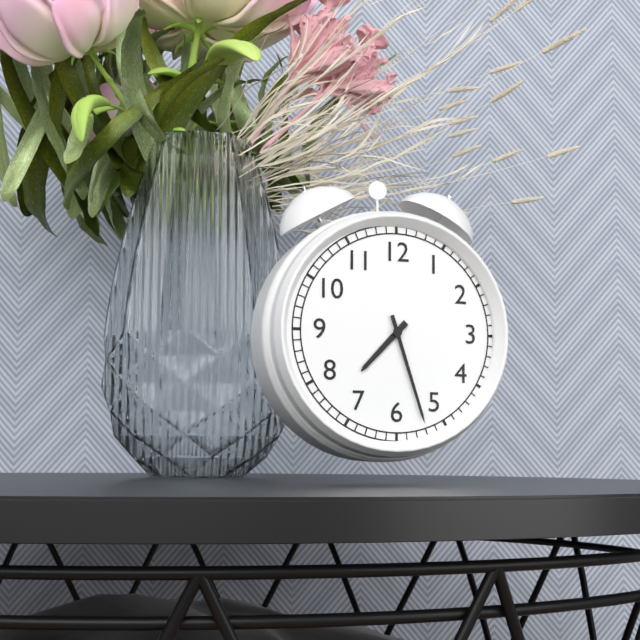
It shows 7,27
